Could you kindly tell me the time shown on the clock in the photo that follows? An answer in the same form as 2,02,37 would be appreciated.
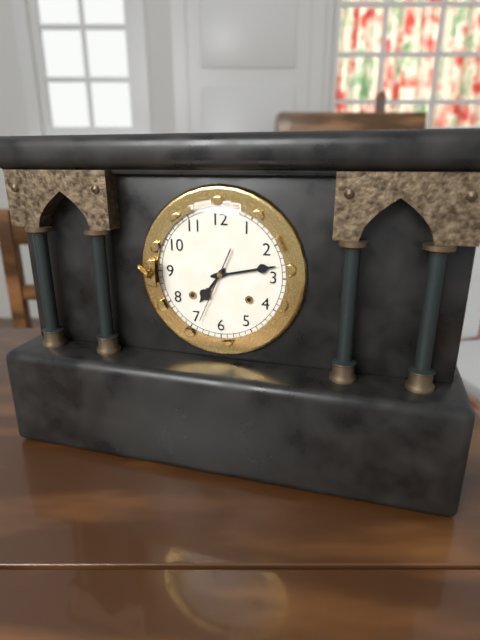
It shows 7,13,34
